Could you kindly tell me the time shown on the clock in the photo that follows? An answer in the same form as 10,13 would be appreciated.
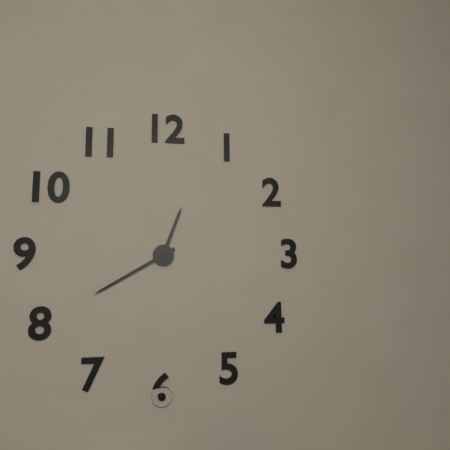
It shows 12,40
